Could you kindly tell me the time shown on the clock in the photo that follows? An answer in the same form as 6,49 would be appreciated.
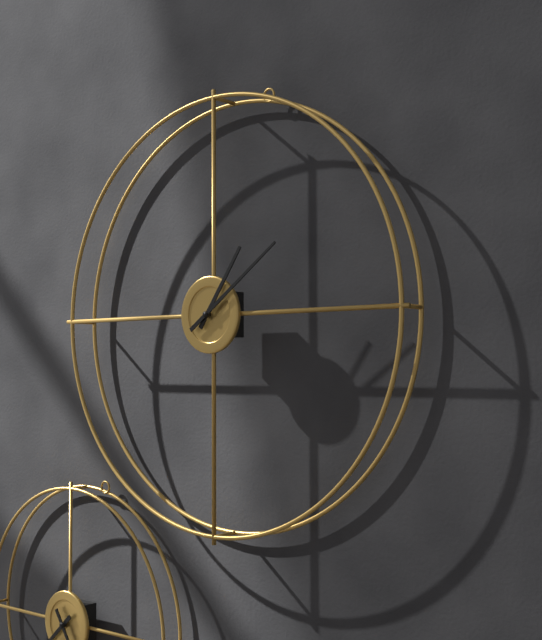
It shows 1,09
